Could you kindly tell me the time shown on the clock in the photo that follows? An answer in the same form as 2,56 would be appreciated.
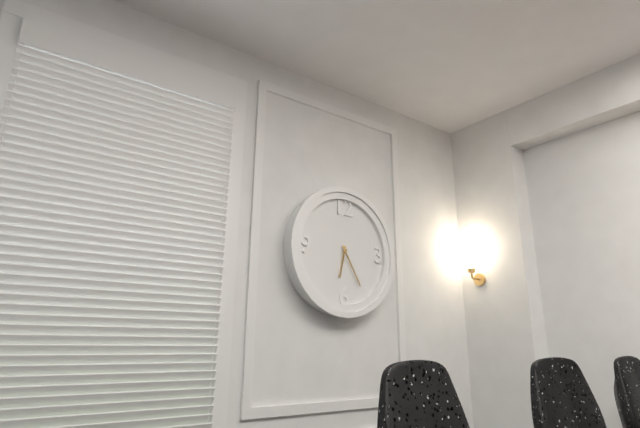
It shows 6,25
